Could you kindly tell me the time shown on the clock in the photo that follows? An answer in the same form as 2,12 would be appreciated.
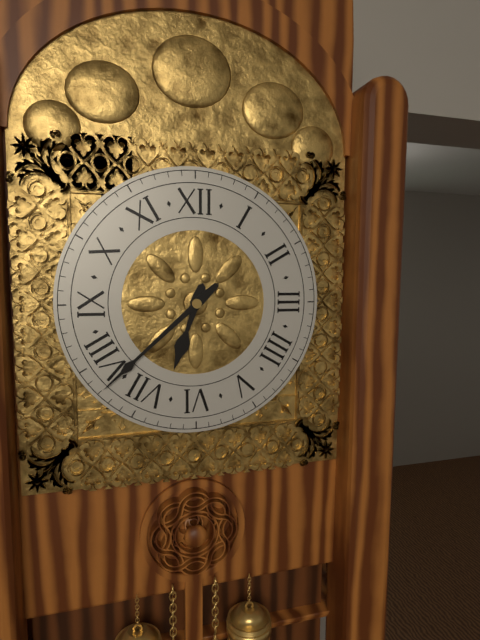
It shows 6,38
